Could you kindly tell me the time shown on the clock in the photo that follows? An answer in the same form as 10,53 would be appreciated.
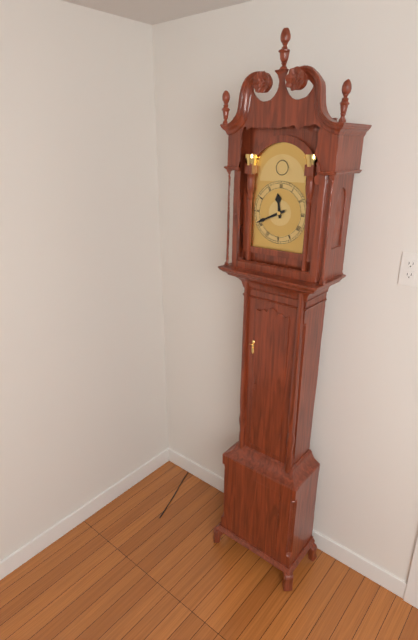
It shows 11,41
